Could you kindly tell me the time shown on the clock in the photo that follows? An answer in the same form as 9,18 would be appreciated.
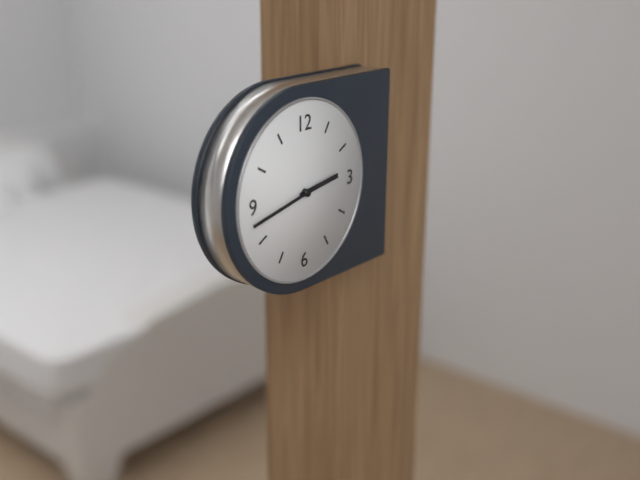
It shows 2,43
